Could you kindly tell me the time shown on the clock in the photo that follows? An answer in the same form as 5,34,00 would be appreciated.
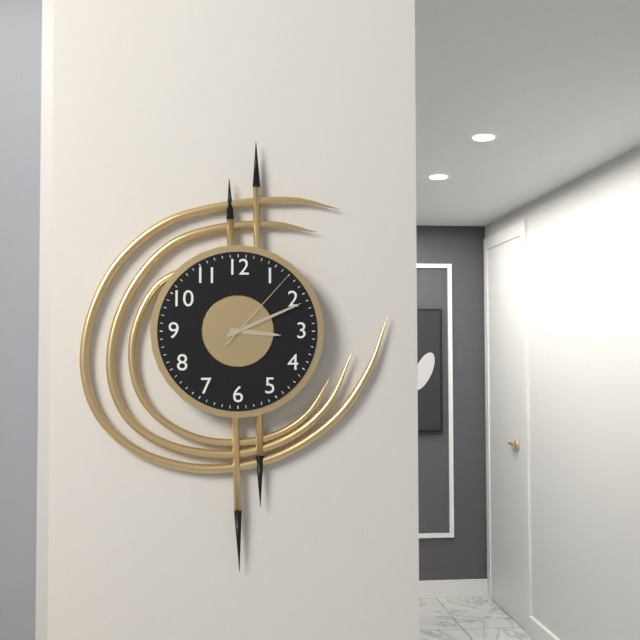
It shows 3,11,07
